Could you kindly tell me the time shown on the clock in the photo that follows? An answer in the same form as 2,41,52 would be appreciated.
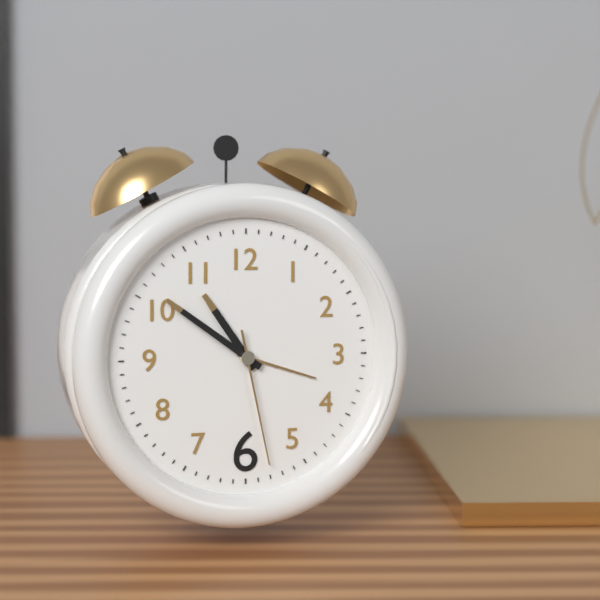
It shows 10,51,28
